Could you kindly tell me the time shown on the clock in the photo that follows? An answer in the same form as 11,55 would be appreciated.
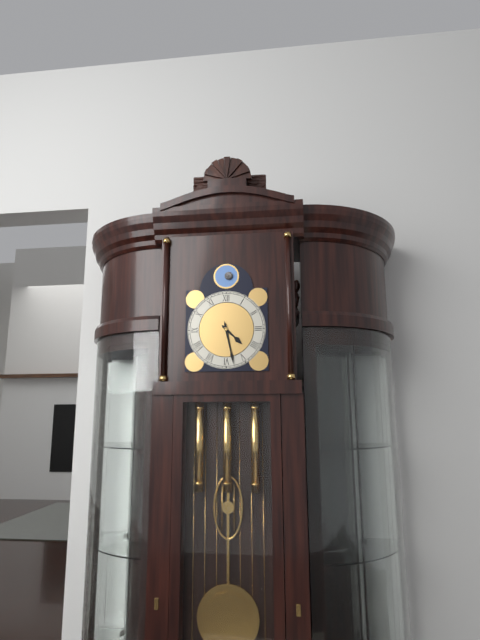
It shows 4,28
